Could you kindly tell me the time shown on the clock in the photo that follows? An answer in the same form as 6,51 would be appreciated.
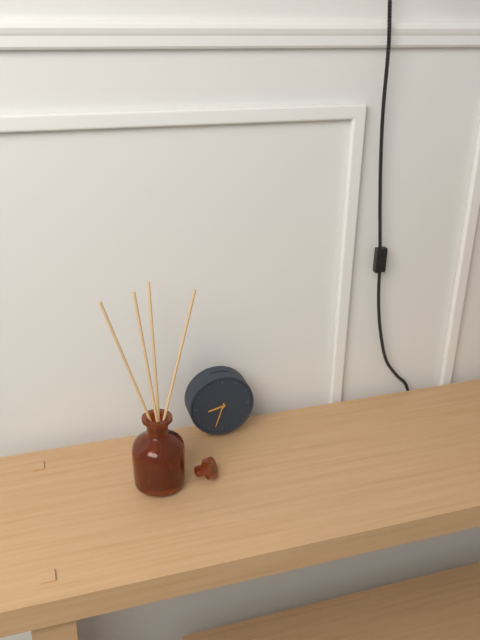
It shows 8,33
